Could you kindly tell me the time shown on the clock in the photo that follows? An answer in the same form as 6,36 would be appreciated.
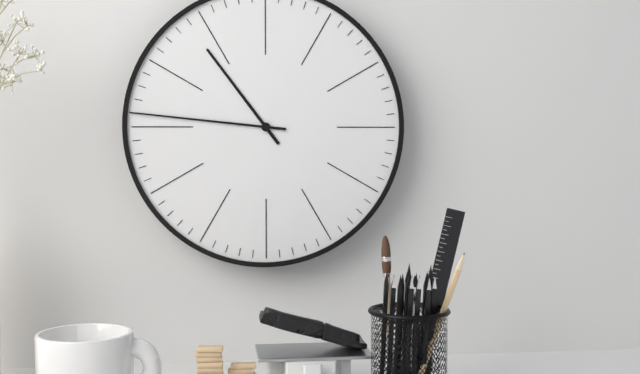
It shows 10,46
